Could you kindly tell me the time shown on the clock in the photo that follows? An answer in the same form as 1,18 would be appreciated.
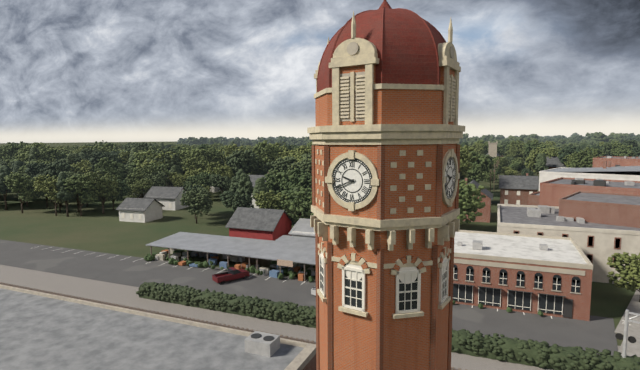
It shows 9,41
